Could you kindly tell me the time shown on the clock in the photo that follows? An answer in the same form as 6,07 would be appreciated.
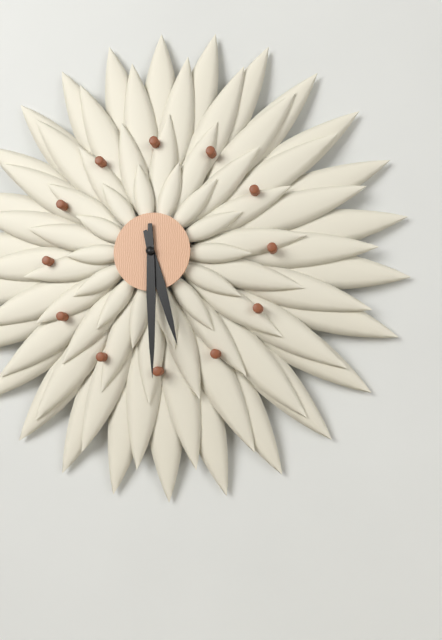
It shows 5,30
